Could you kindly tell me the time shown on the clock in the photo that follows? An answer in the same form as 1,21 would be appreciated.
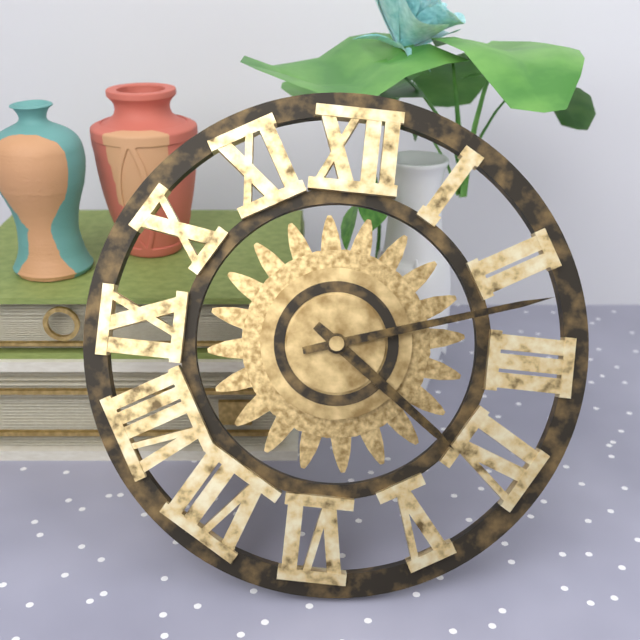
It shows 4,12
